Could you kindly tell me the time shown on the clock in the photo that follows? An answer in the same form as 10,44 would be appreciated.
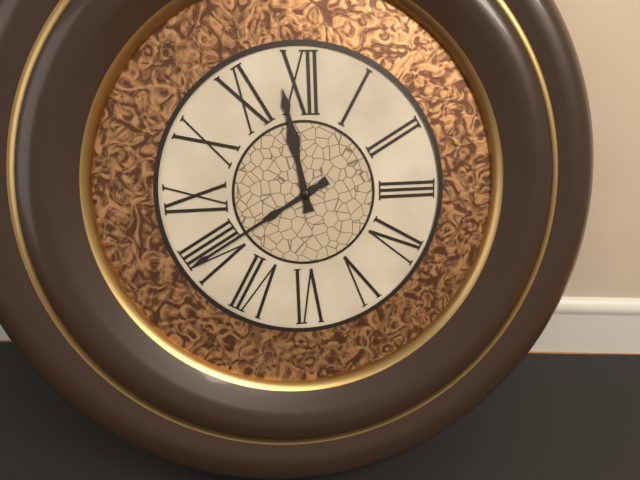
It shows 11,40
